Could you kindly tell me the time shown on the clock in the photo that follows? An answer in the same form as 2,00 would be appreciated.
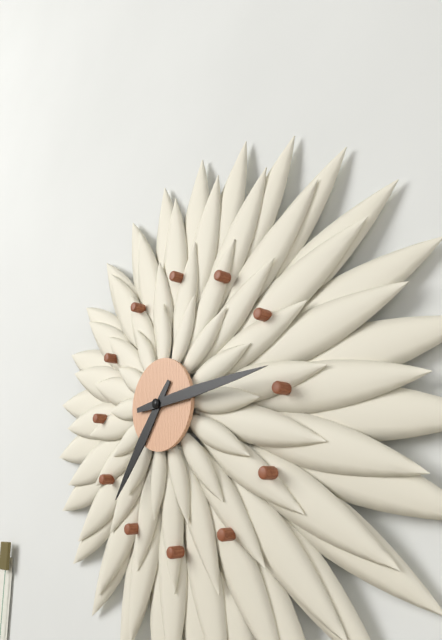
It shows 7,14
